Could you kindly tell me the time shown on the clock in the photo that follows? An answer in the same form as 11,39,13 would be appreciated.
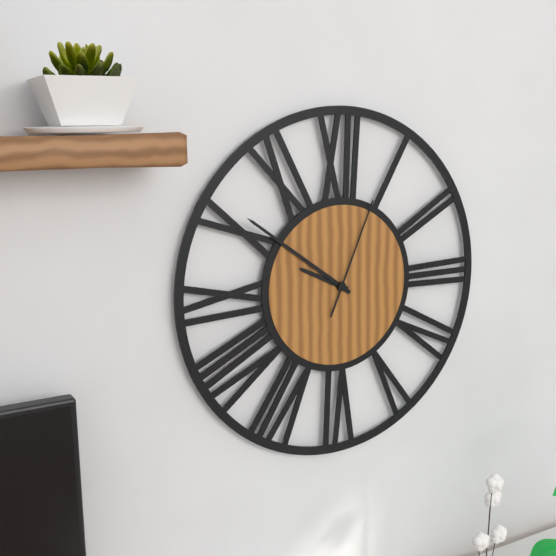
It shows 9,51,04
